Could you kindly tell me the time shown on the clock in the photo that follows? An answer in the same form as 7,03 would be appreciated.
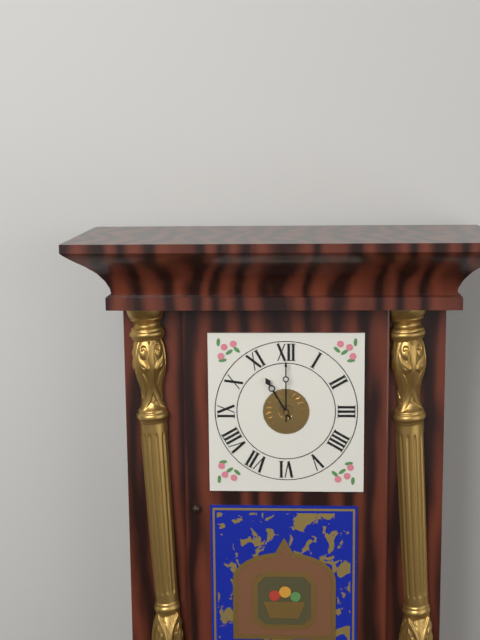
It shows 11,00
